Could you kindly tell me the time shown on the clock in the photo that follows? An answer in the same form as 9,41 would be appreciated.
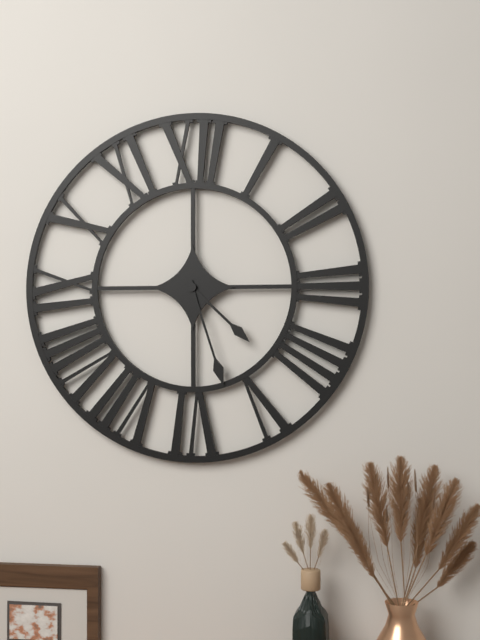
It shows 4,27
